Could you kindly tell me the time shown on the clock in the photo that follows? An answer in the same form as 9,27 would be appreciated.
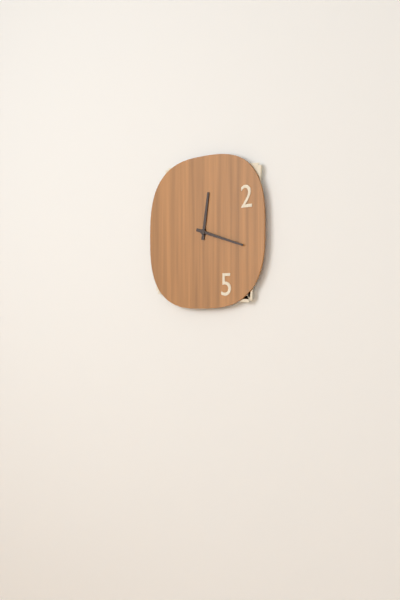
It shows 12,18
